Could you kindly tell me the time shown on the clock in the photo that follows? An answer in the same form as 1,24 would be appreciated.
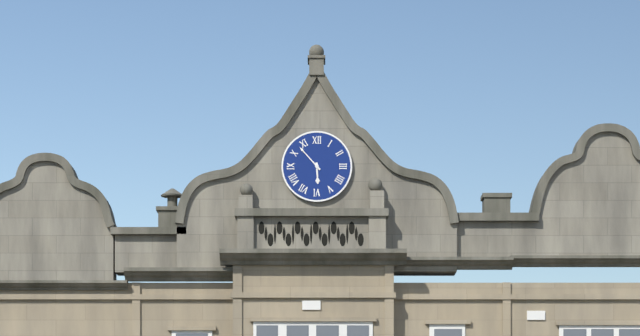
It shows 5,53
